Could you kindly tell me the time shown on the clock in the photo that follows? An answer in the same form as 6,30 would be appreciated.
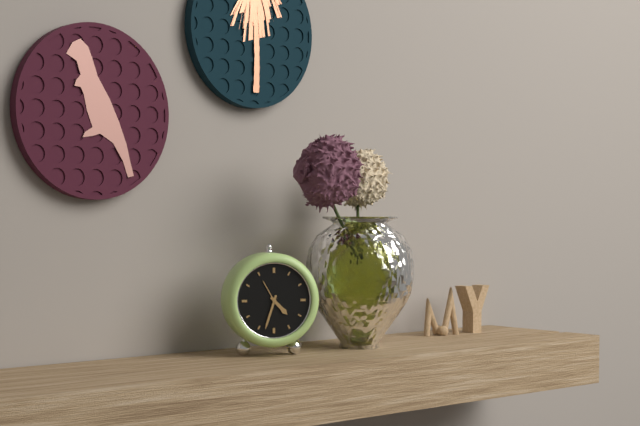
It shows 4,33
